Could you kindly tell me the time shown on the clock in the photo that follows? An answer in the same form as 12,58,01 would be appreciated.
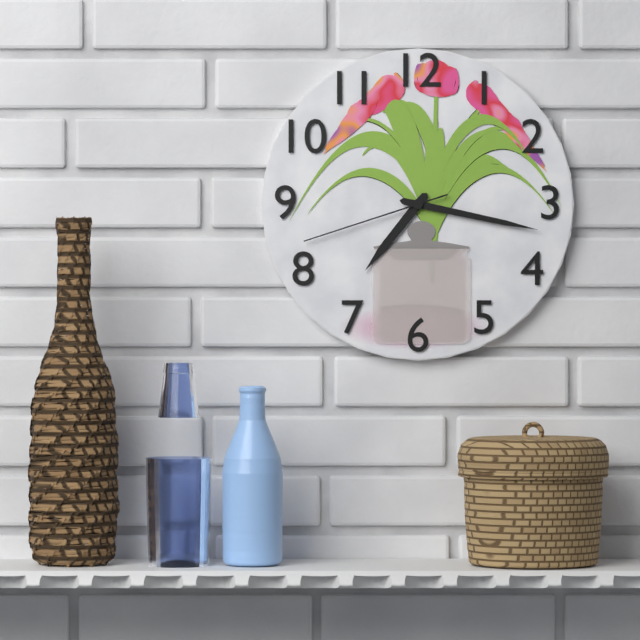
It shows 7,17,42
